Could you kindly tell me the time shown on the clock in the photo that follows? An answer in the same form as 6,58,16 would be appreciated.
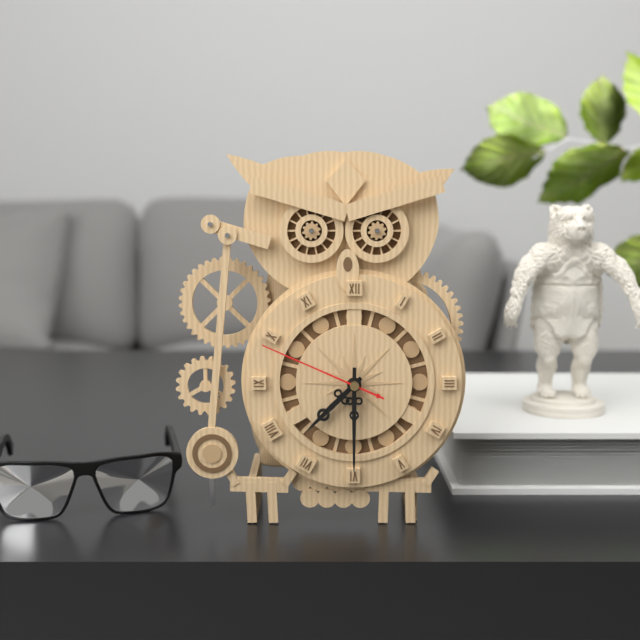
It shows 7,30,49
